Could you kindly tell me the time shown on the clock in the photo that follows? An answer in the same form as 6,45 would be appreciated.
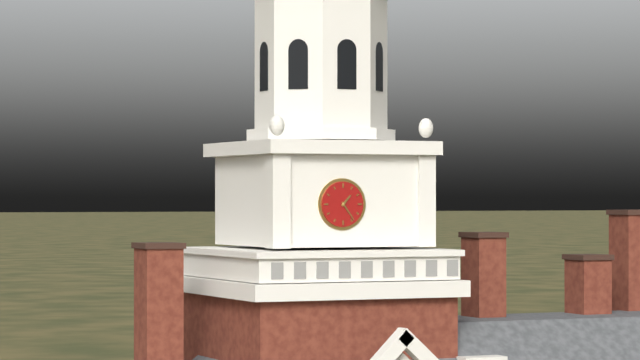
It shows 1,24
